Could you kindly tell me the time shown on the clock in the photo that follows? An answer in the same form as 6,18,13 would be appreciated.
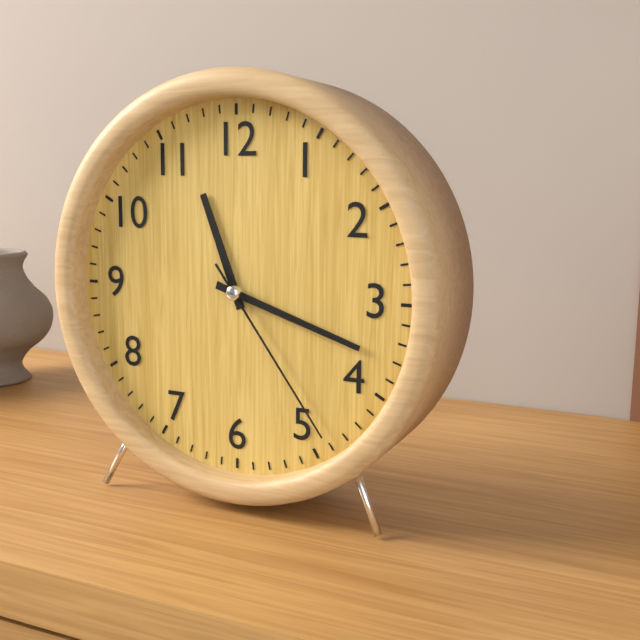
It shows 11,18,24
